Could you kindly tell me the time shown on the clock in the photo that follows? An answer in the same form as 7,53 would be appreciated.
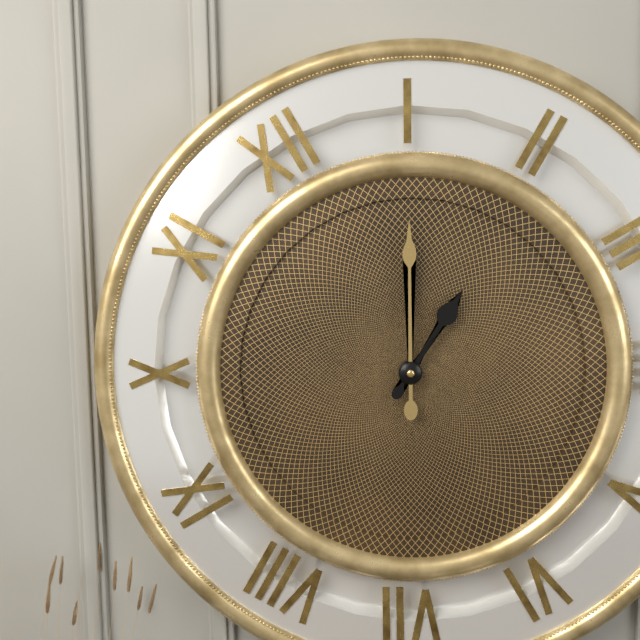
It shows 2,05
